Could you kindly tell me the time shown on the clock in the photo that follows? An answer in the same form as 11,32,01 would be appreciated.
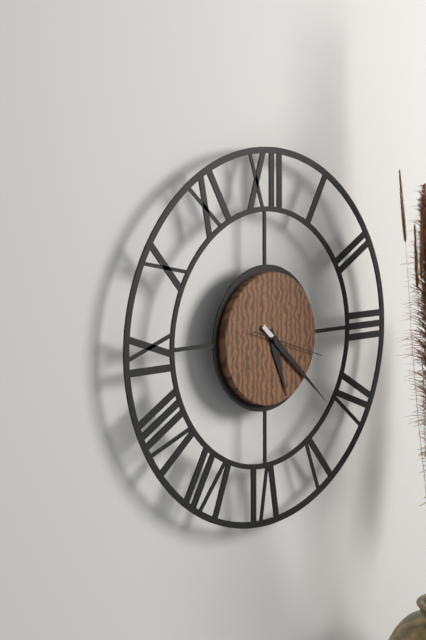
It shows 5,22,18
